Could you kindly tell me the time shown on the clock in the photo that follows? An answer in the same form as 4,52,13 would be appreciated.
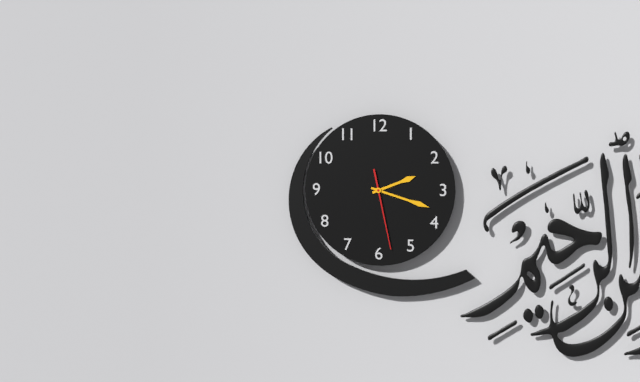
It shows 2,18,28
